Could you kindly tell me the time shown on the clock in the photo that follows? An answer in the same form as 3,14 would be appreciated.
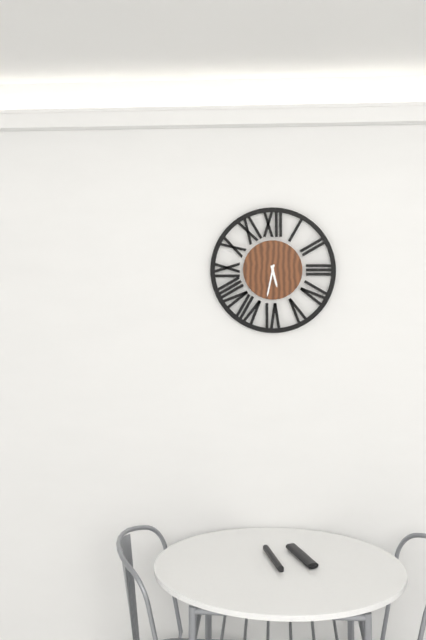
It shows 5,32
